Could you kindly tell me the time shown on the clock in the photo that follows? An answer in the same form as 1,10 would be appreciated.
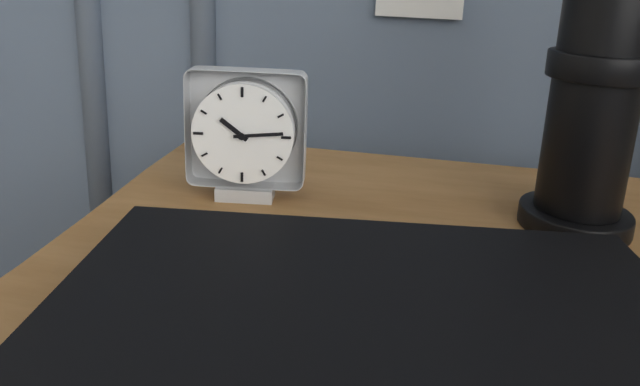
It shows 10,14
